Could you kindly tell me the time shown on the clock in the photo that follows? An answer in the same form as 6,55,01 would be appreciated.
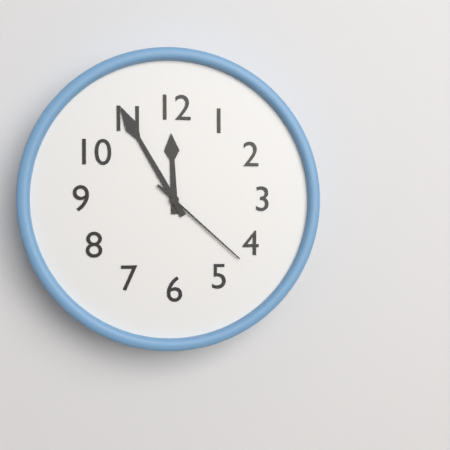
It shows 11,55,22
